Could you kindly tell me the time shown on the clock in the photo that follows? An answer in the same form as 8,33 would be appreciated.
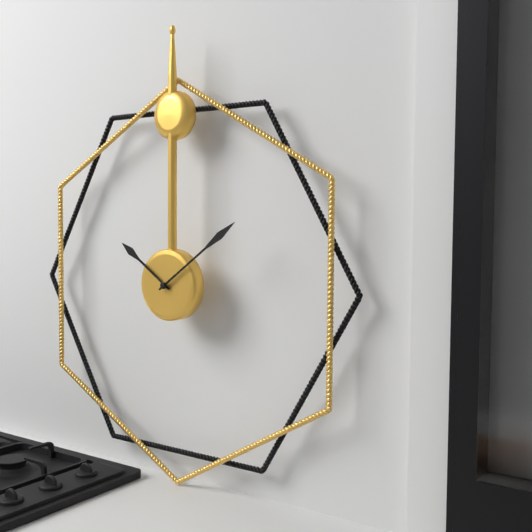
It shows 10,09
